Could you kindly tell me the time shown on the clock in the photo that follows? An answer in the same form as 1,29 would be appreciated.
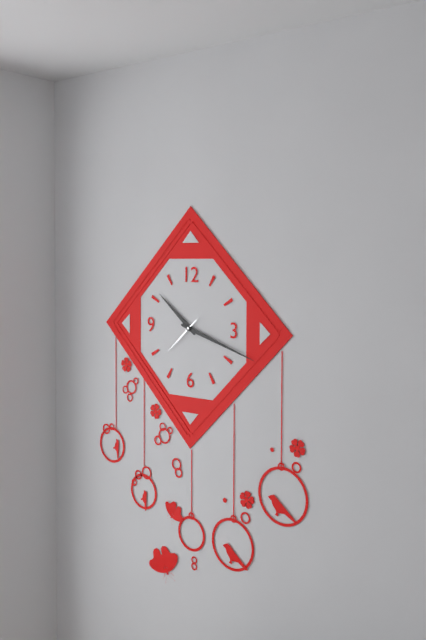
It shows 10,18
